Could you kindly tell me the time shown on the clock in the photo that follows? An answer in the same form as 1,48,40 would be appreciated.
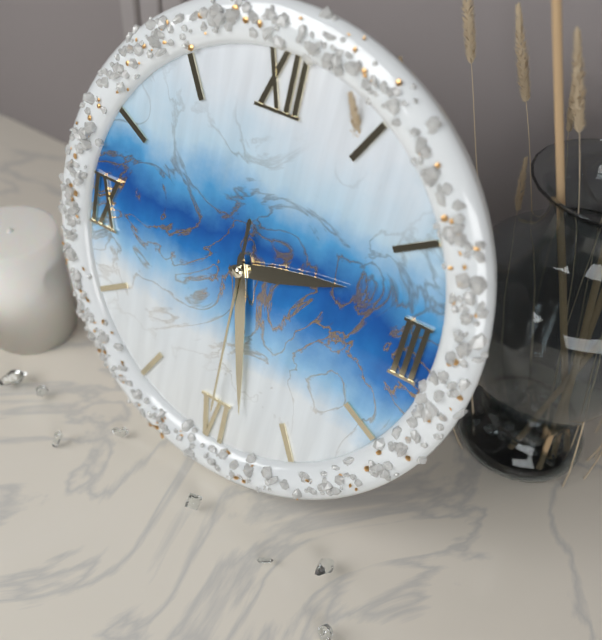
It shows 2,28,30
